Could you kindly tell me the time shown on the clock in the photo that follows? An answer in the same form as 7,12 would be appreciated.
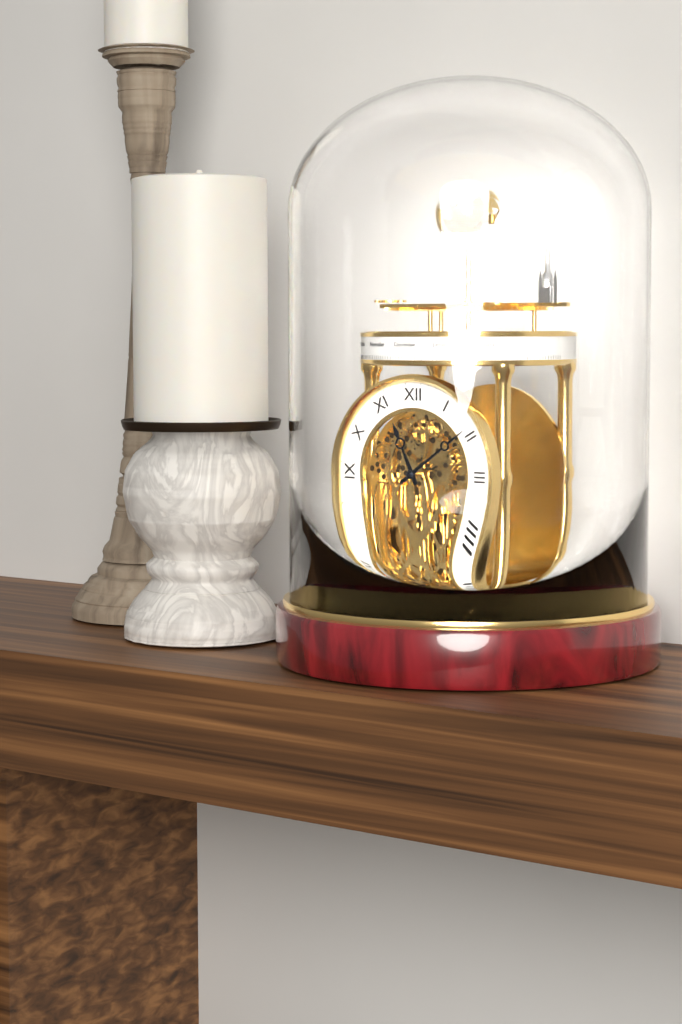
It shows 11,09
